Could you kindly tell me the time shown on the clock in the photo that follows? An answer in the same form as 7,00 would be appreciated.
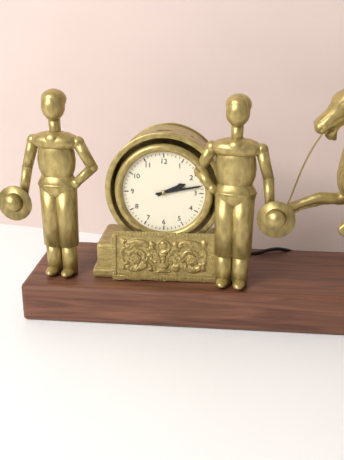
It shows 2,13
